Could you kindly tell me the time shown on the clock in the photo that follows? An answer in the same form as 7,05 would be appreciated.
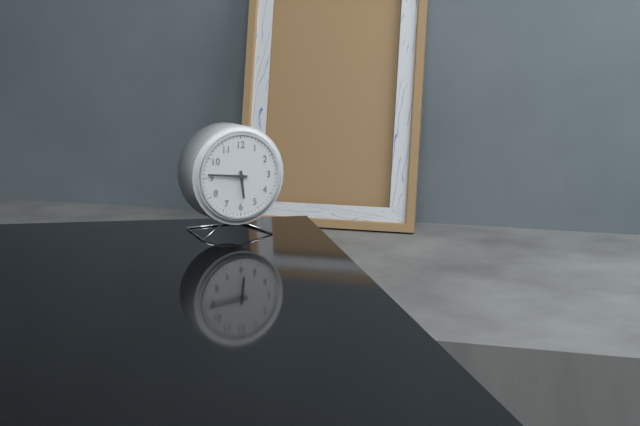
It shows 5,46
